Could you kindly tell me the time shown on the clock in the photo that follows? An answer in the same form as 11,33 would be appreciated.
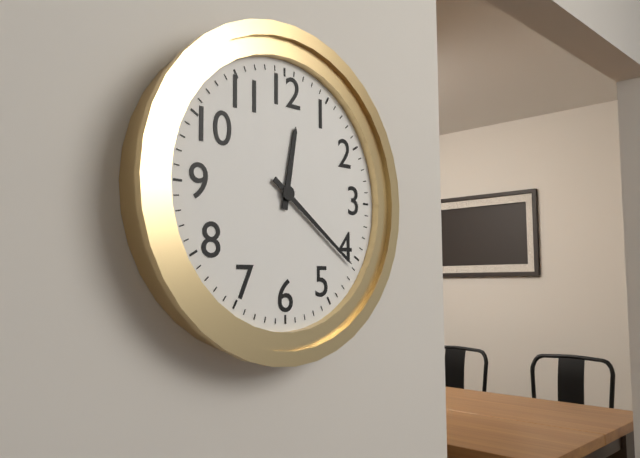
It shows 12,21
